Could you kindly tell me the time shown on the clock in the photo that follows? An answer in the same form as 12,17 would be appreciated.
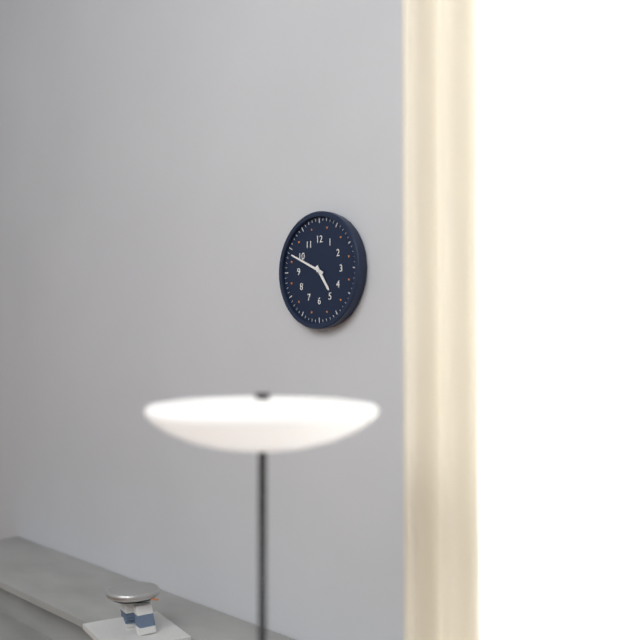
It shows 4,49
